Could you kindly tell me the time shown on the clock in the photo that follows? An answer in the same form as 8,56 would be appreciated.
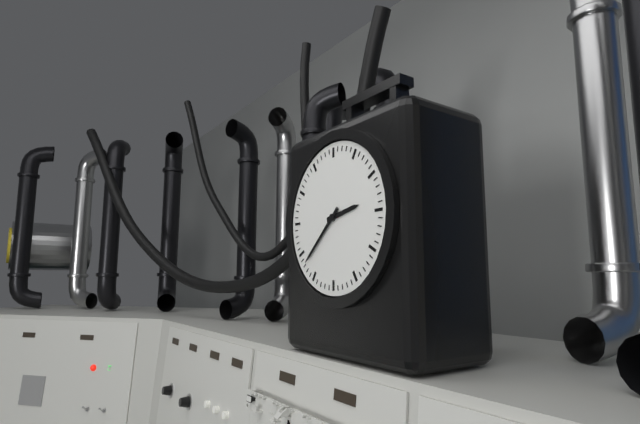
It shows 2,38
